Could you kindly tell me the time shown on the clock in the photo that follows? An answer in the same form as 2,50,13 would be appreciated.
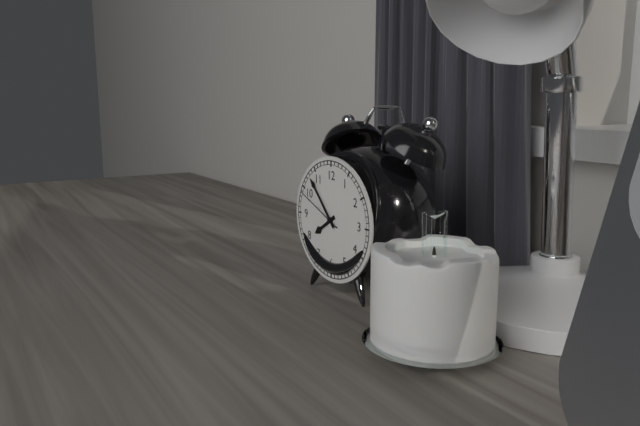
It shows 7,53,49
